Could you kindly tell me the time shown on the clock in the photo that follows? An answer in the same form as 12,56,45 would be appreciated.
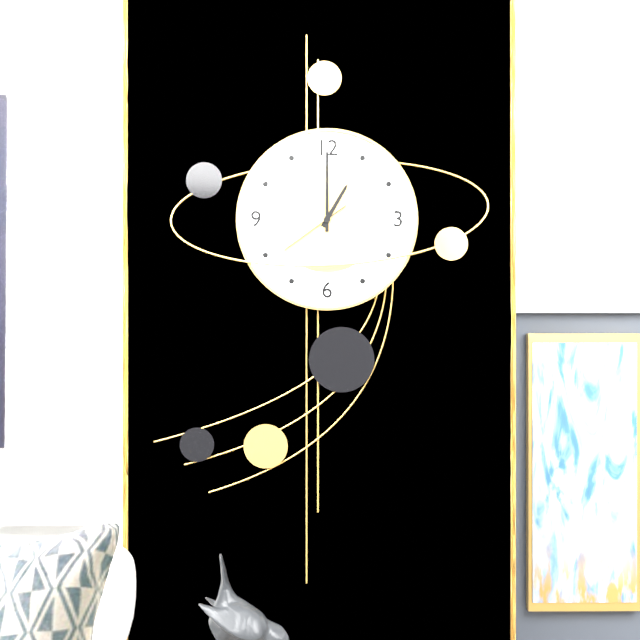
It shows 1,00,39
